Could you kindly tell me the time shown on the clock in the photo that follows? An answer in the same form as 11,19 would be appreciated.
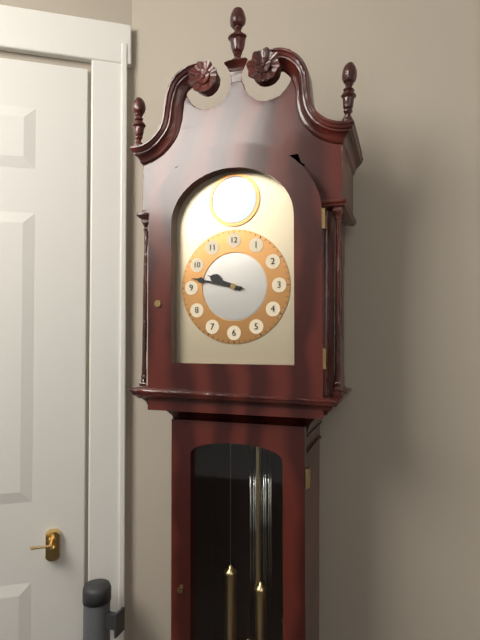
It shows 9,47
